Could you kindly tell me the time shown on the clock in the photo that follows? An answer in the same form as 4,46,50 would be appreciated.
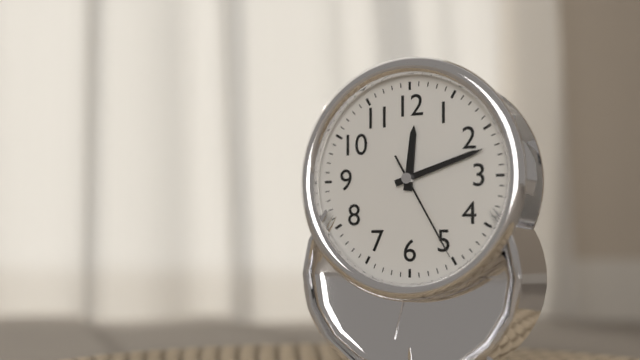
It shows 12,12,25
